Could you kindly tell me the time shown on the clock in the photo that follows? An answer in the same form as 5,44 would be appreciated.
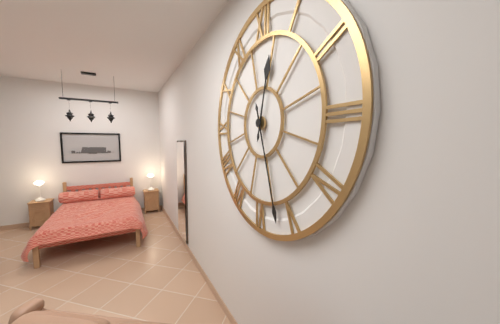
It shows 12,27
